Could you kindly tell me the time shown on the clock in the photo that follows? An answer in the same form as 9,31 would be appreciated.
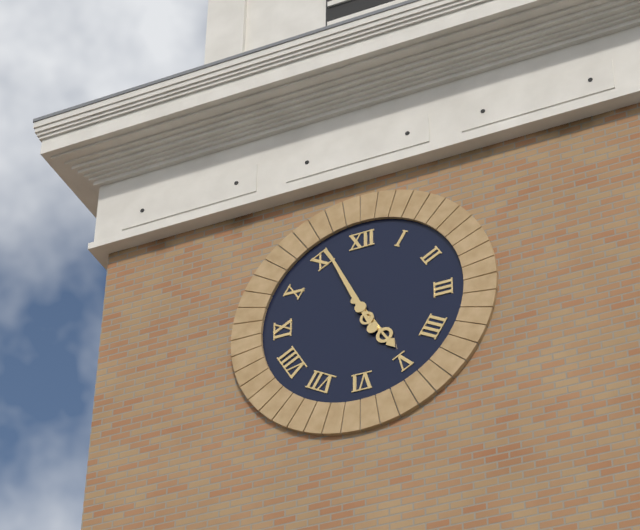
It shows 4,56
